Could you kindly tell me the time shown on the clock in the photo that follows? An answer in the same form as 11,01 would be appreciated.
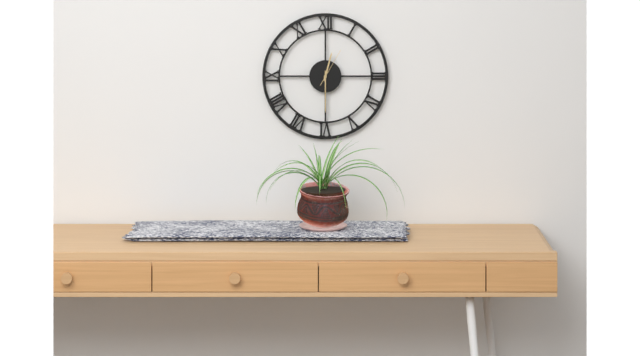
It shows 12,30
